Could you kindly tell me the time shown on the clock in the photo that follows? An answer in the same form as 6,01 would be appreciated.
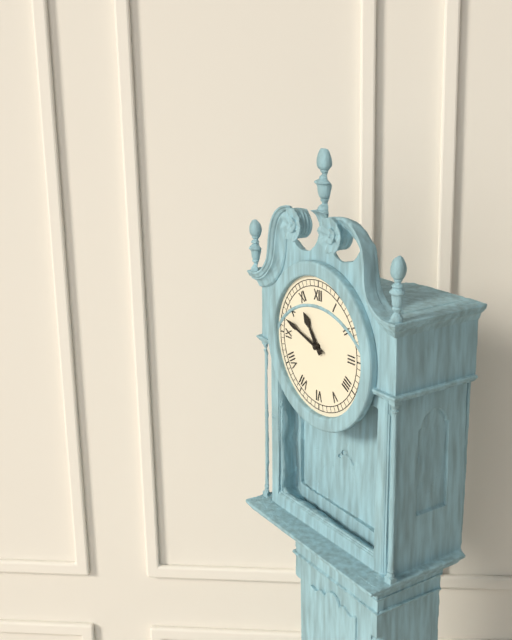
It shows 10,48
